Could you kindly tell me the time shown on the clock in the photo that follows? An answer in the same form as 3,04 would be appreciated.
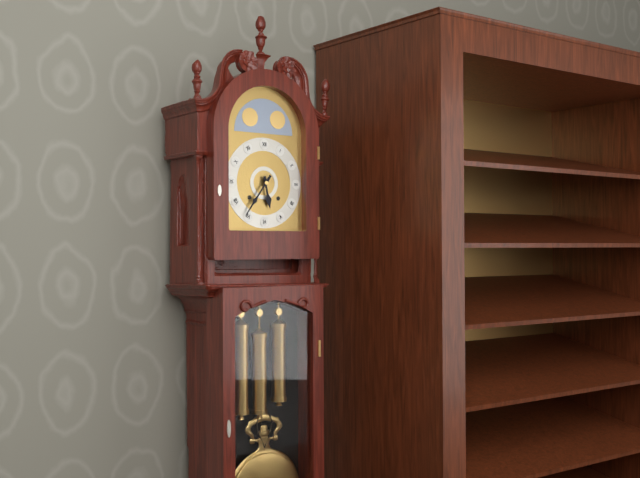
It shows 5,36
